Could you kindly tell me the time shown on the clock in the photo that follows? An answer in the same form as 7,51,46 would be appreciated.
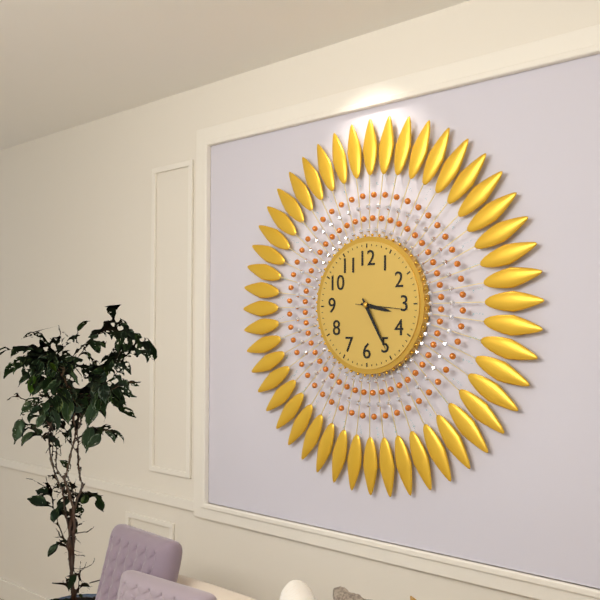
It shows 3,25,16
